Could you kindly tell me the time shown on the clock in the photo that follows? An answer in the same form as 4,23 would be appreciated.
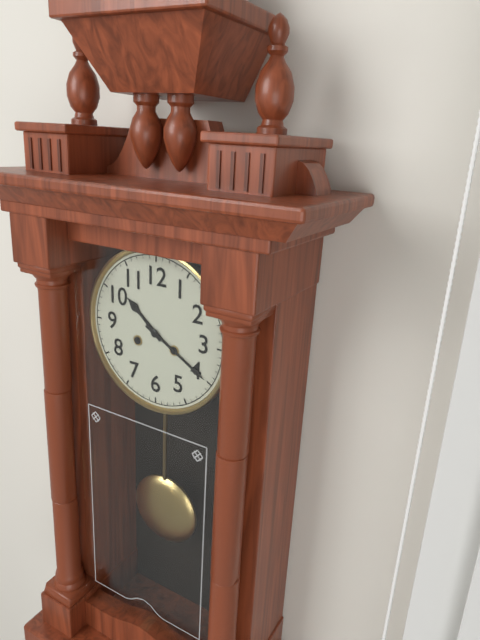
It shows 10,20
